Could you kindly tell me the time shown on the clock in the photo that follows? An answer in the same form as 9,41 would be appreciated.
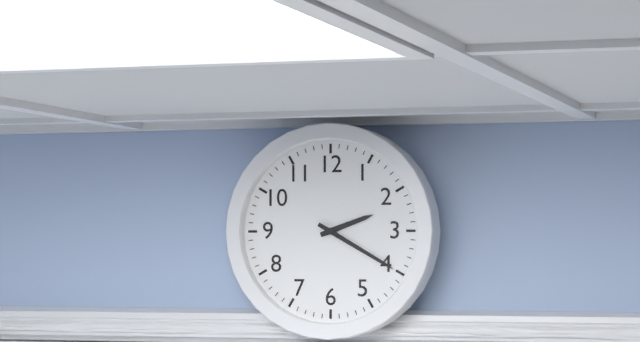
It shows 2,20
